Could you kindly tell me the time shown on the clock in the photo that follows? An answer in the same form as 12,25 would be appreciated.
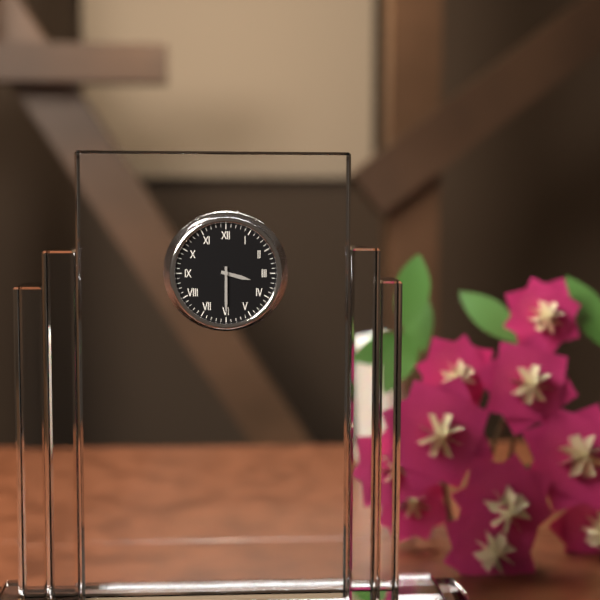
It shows 3,30
